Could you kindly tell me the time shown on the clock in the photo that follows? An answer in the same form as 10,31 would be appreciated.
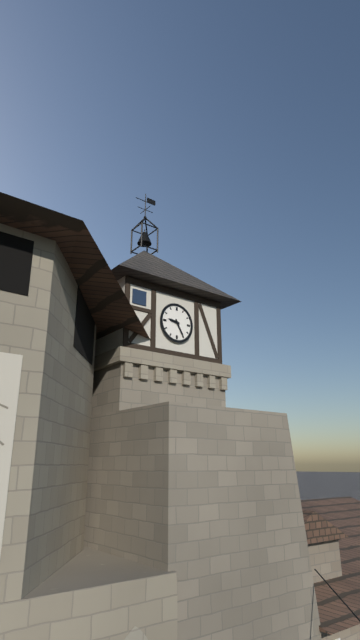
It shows 9,25
